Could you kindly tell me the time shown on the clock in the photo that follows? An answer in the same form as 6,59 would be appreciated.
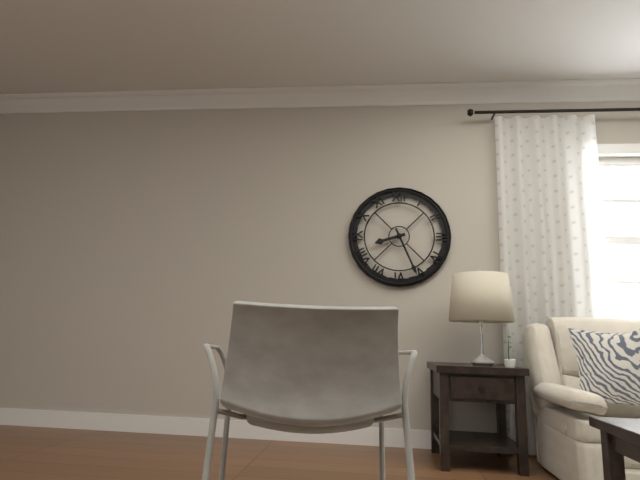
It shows 8,26
